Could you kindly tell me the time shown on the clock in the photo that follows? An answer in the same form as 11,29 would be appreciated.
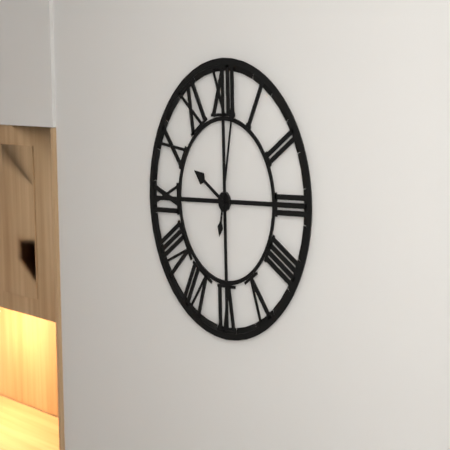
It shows 10,02
